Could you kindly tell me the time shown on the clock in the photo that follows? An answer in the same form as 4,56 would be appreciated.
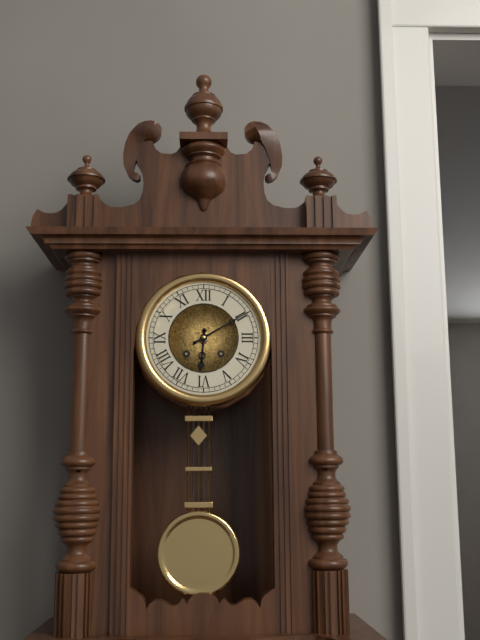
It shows 6,10
